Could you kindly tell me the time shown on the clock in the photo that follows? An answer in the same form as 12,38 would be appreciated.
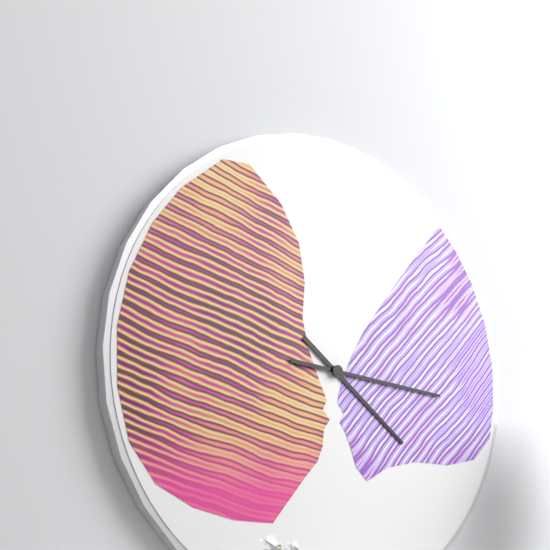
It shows 4,16
